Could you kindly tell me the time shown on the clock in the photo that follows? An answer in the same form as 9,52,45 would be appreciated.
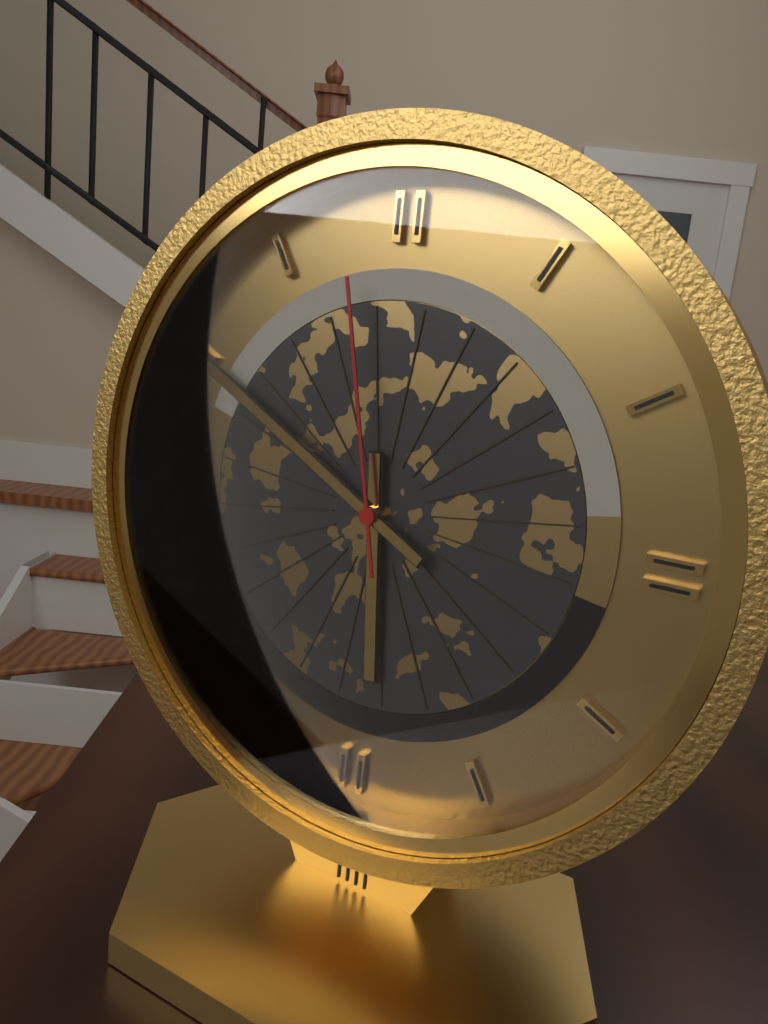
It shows 5,50,58
